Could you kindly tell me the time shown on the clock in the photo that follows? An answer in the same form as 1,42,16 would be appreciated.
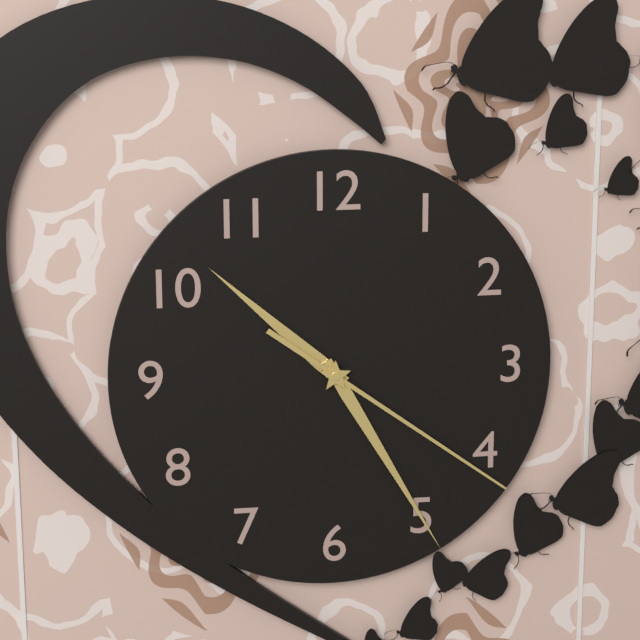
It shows 10,25,21
